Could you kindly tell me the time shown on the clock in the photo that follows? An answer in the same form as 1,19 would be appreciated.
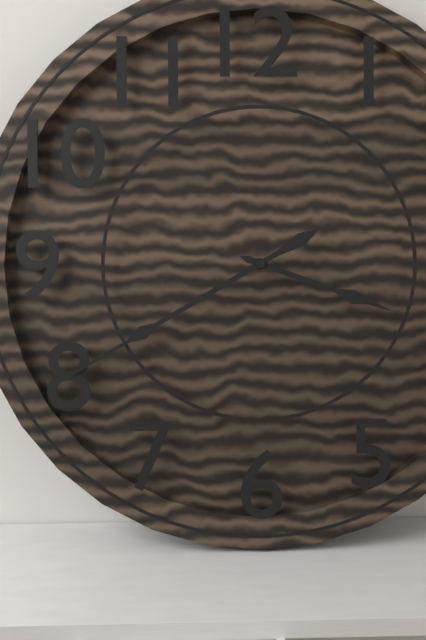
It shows 3,40
